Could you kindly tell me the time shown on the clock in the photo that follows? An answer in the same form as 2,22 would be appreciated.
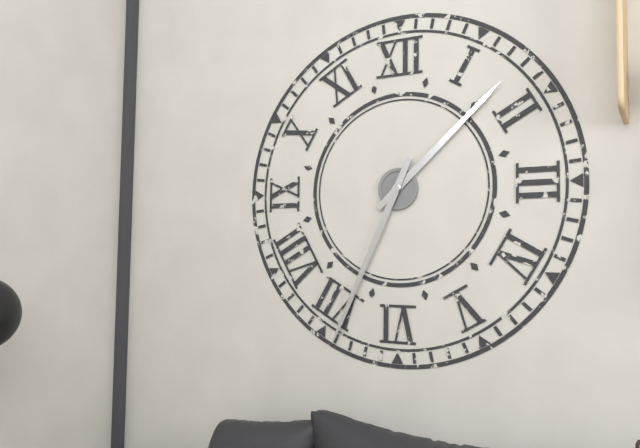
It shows 1,34
